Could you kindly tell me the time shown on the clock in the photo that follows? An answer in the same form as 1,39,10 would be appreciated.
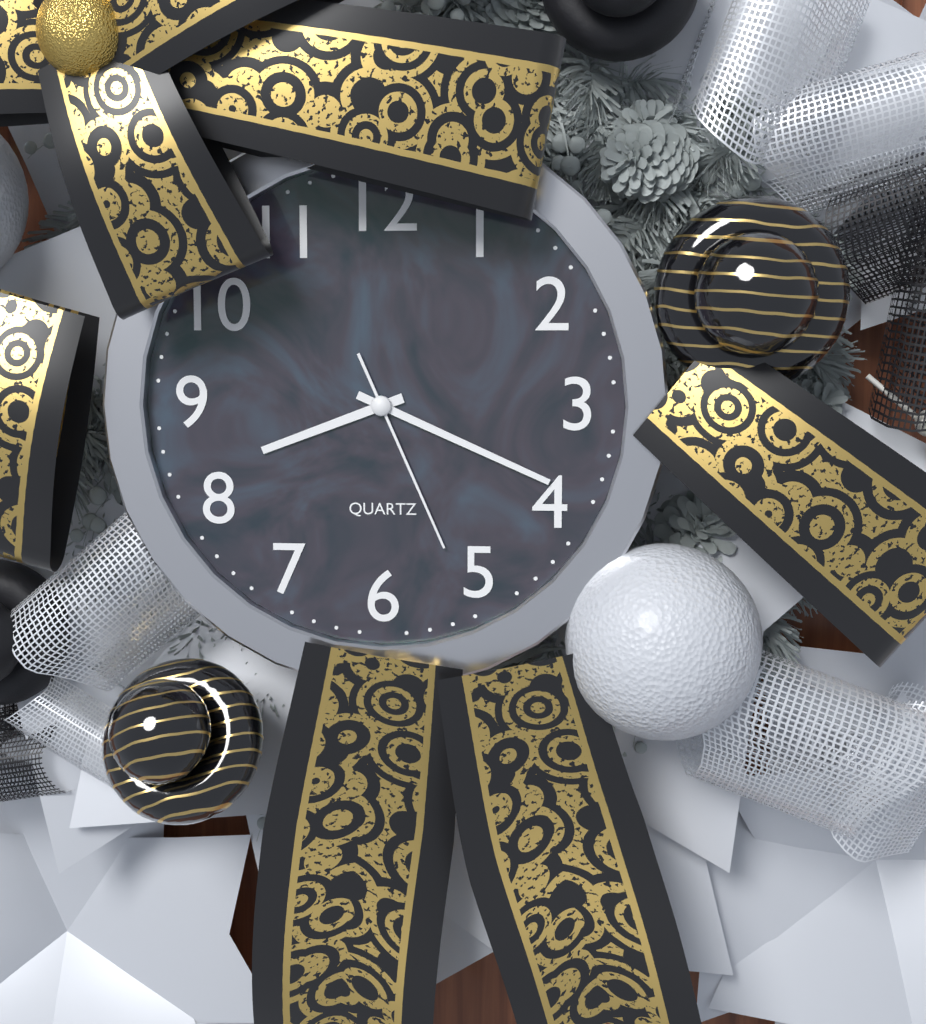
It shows 8,19,26
